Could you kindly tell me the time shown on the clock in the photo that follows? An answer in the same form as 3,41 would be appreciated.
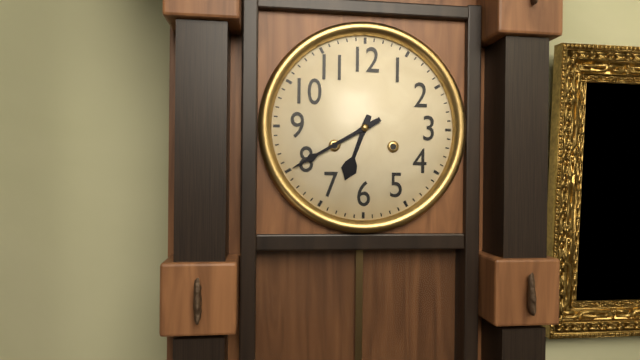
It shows 6,40
